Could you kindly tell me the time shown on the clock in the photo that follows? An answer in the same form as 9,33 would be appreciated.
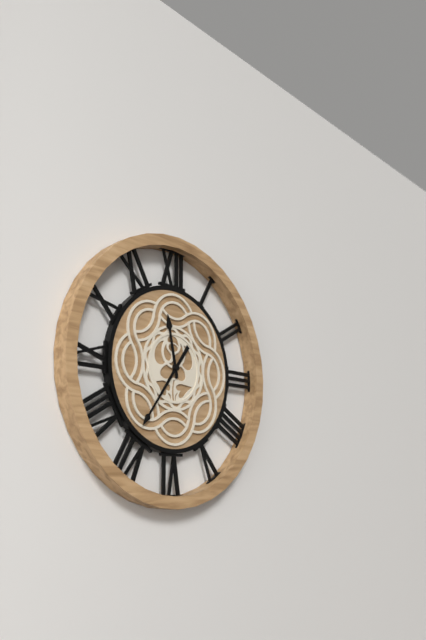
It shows 11,36
